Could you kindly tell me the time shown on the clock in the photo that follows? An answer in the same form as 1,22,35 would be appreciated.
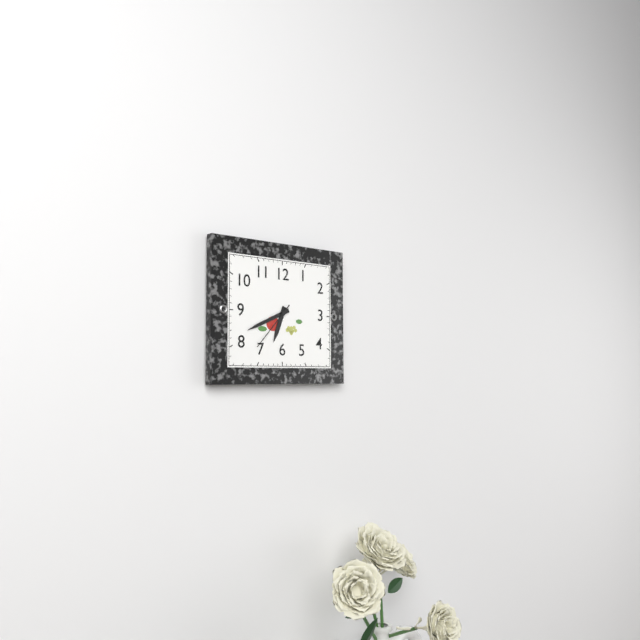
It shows 6,41,37
